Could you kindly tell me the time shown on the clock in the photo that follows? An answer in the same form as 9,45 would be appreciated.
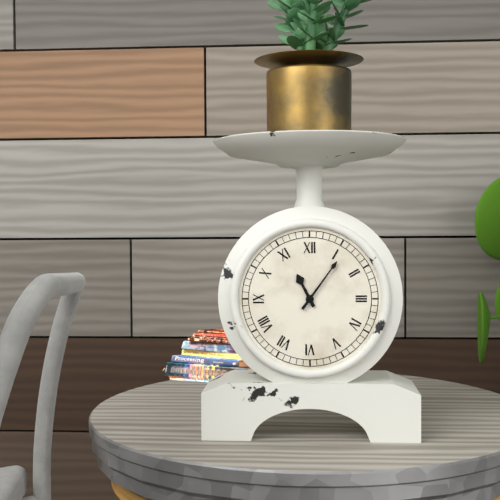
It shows 11,06
